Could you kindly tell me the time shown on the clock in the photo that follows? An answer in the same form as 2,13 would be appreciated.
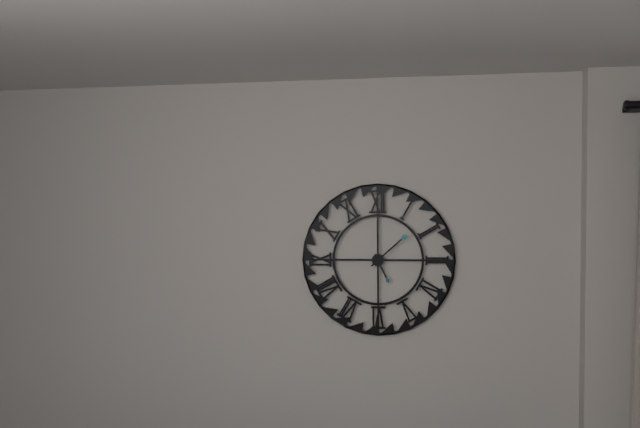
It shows 5,08
